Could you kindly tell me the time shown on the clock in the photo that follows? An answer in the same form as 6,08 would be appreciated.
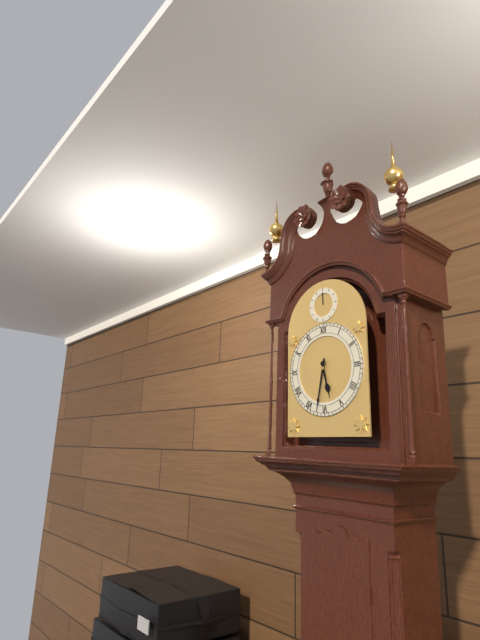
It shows 5,32
